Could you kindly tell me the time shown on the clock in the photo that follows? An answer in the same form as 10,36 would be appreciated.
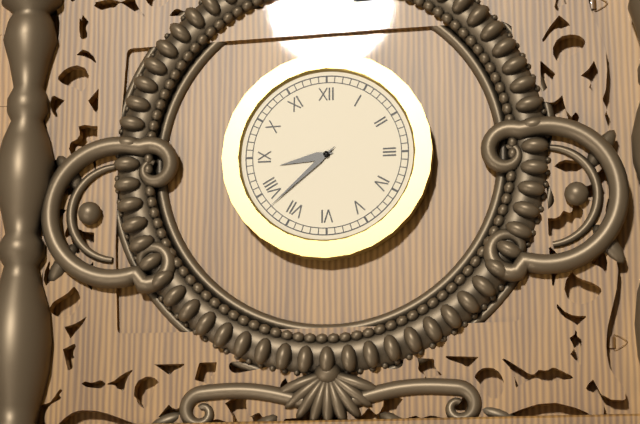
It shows 8,38
